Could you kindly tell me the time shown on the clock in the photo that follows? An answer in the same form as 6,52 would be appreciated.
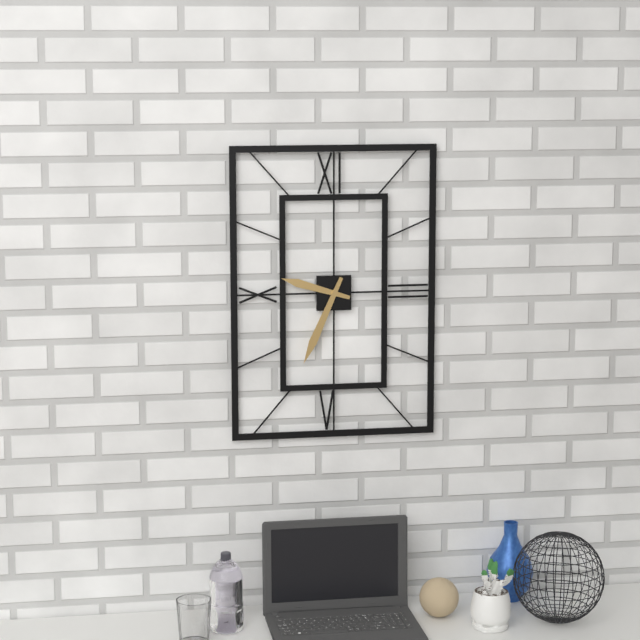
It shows 9,34
